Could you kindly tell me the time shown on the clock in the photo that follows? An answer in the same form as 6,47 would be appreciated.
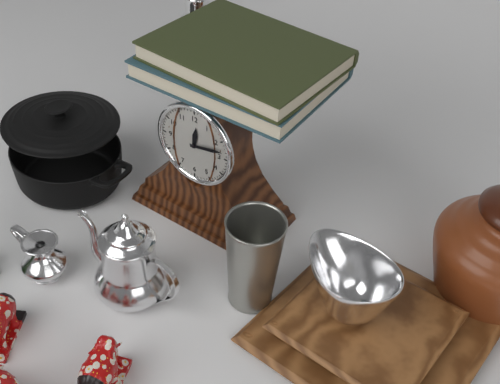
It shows 12,13
